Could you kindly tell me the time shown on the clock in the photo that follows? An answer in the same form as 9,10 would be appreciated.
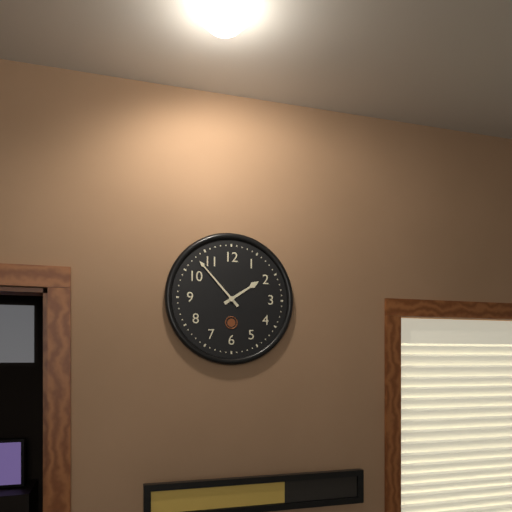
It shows 1,53
